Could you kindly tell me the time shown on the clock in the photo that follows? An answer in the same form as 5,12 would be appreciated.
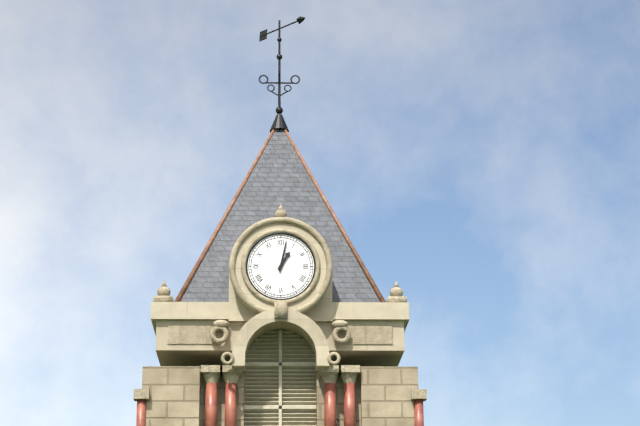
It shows 1,02
